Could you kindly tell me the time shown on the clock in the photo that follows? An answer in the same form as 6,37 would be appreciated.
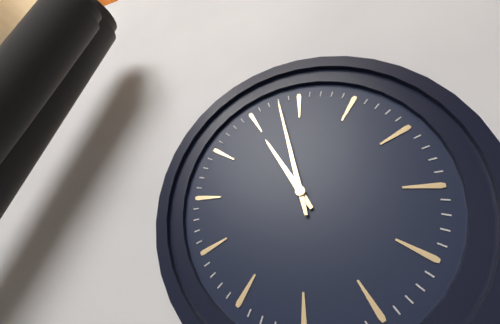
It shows 10,58
